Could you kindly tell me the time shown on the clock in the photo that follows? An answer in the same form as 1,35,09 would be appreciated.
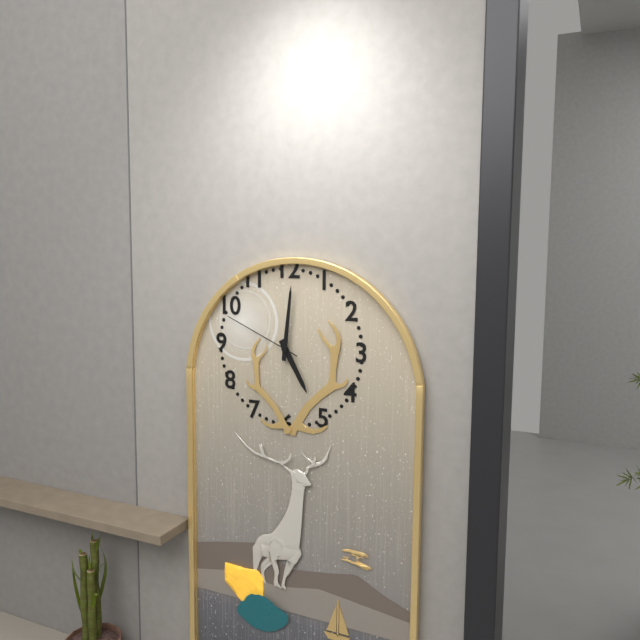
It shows 5,01,49
